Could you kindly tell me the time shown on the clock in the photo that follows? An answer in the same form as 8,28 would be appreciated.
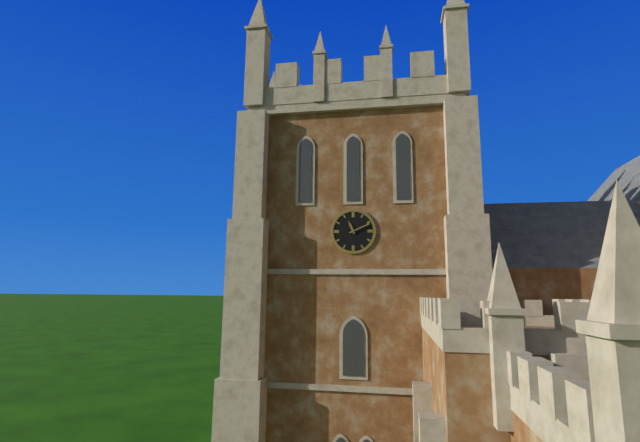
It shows 11,11
